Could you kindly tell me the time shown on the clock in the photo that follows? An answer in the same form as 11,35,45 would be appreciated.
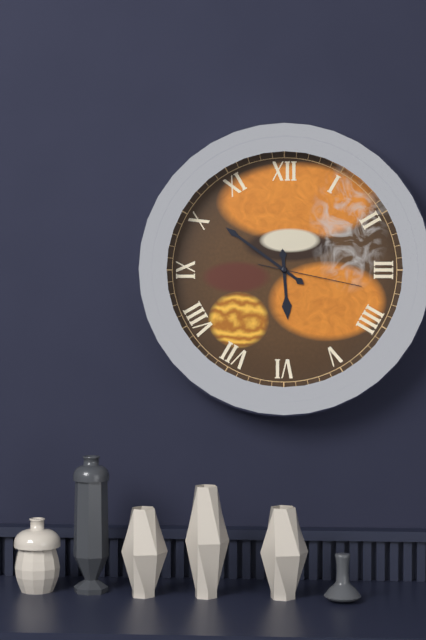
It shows 5,51,17
